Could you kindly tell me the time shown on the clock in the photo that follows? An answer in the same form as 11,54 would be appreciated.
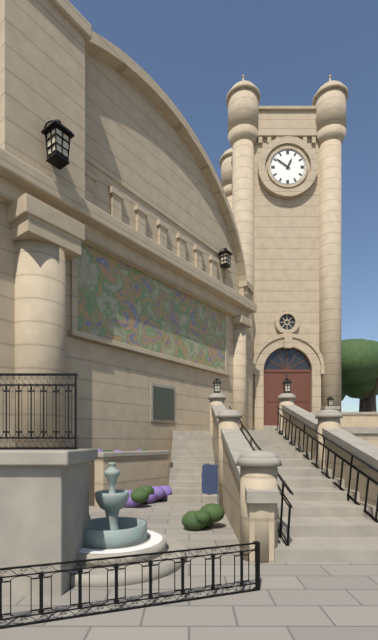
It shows 12,51
